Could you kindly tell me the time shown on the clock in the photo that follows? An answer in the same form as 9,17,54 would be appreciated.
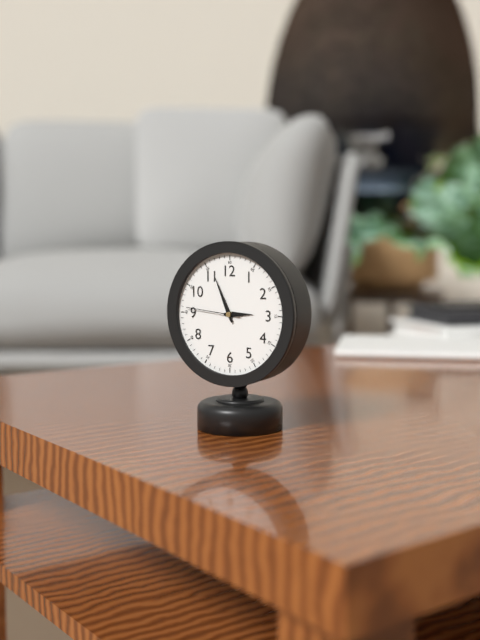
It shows 2,56,46
